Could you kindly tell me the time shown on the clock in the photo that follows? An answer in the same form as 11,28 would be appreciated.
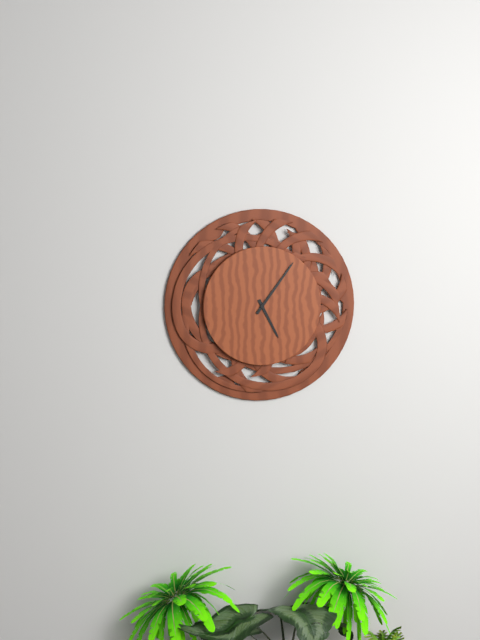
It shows 5,06
